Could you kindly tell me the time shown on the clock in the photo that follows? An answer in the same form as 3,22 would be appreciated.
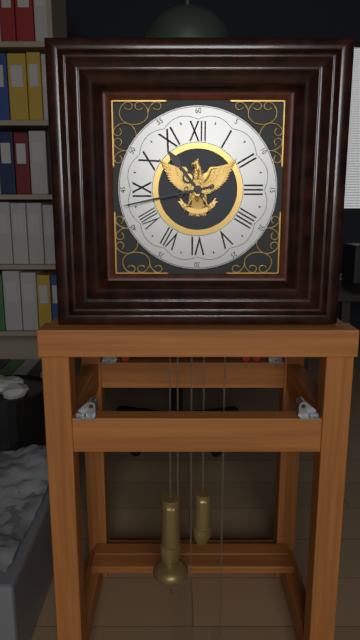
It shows 10,43
